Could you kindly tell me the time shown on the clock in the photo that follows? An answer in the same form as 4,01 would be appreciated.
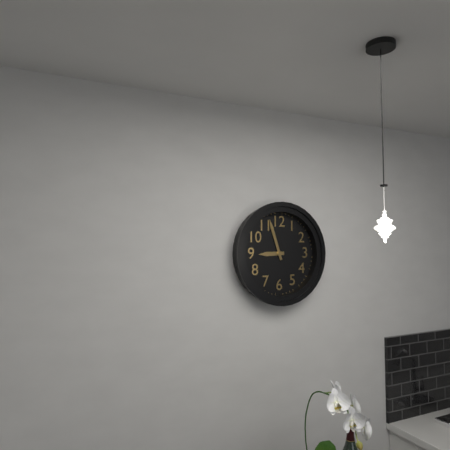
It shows 8,57
